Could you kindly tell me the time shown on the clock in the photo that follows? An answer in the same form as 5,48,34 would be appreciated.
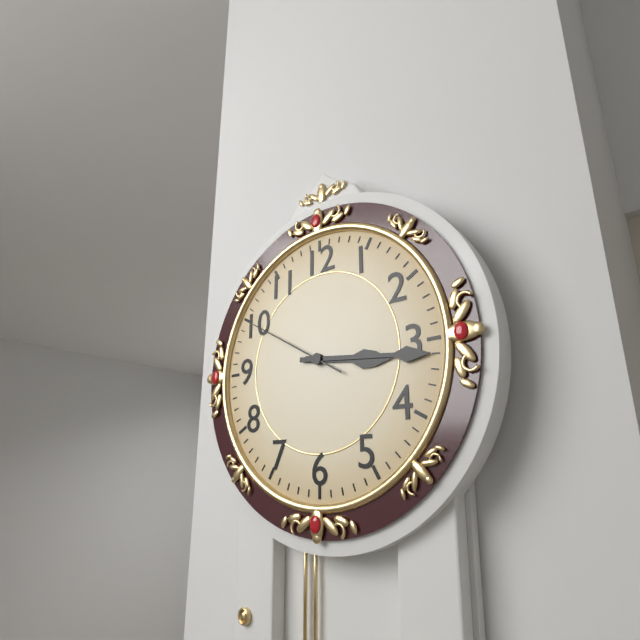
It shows 3,16,50
